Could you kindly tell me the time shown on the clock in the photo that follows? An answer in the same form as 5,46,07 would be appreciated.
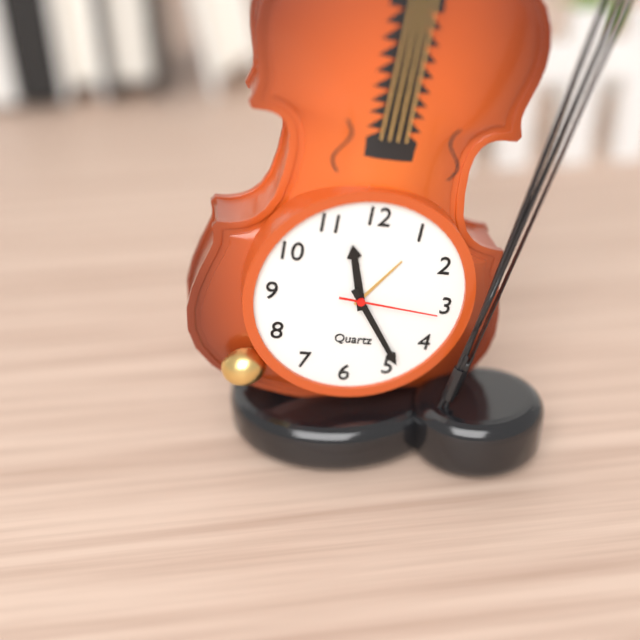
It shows 11,24,16
